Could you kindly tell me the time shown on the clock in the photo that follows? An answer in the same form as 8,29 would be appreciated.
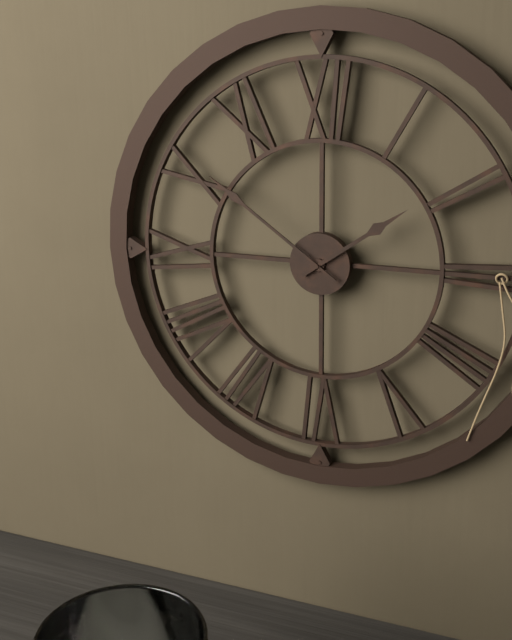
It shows 1,51
